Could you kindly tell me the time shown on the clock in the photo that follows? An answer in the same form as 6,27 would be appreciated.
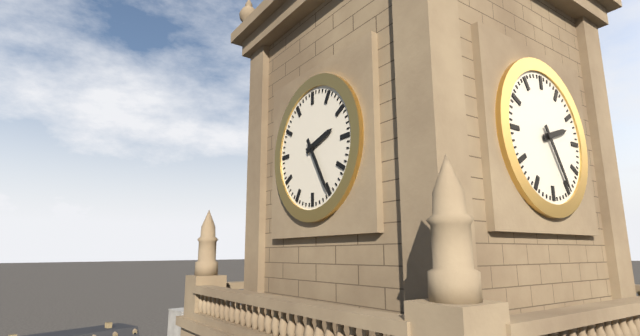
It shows 2,25
